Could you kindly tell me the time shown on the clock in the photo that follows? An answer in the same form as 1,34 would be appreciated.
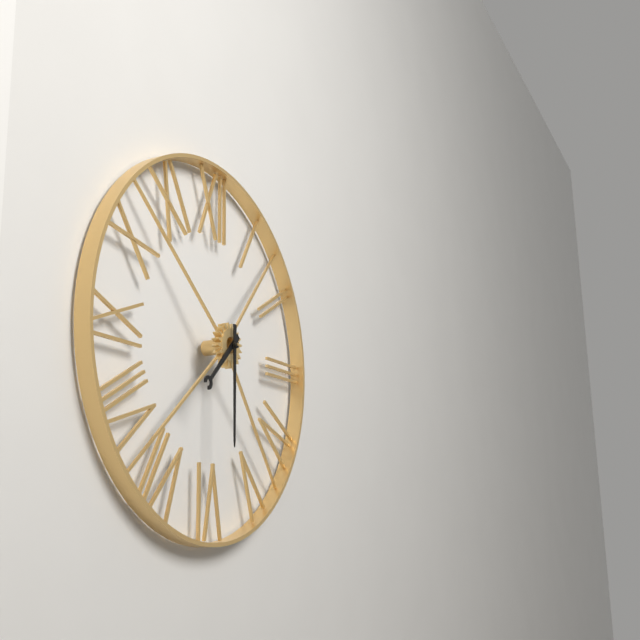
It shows 7,30
